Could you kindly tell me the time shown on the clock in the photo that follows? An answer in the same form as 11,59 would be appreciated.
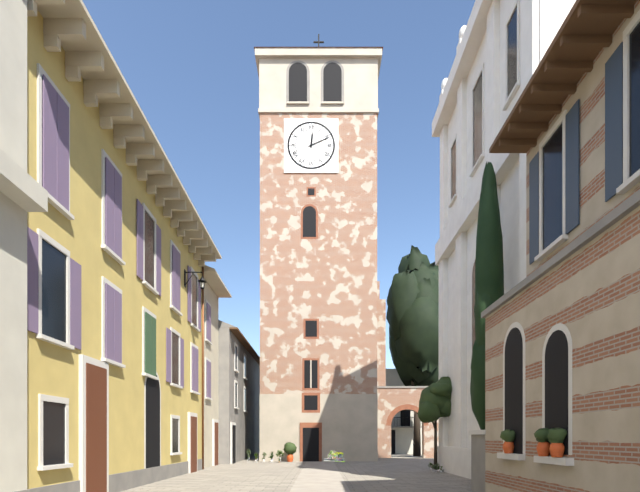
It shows 12,11
